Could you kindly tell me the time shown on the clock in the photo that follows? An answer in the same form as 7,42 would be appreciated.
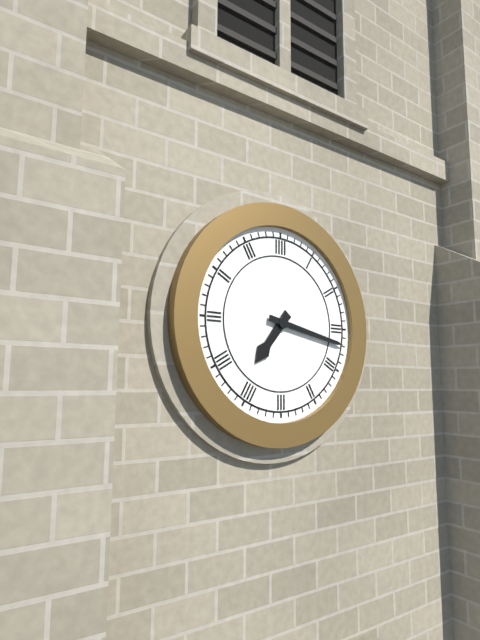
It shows 7,17
